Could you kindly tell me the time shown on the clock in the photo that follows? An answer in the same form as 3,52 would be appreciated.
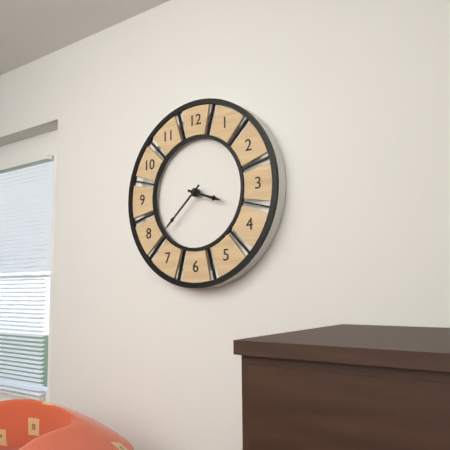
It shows 3,38
